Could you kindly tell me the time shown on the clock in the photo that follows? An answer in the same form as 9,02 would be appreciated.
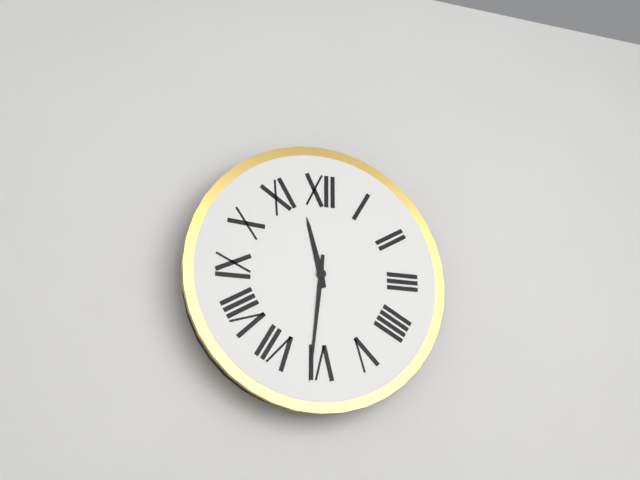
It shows 11,31
